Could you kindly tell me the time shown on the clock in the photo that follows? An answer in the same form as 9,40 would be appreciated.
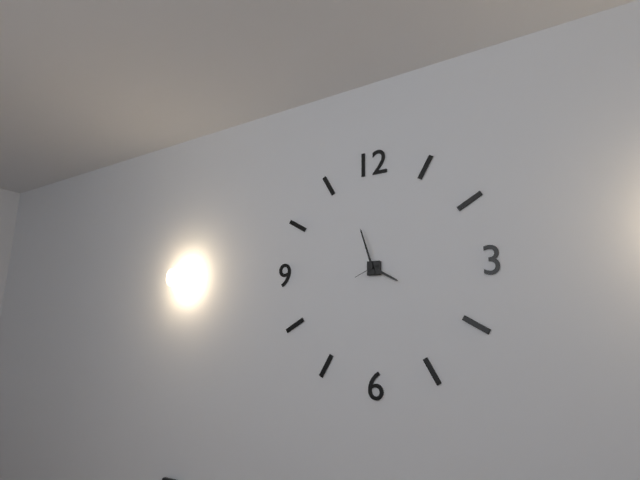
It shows 3,57
